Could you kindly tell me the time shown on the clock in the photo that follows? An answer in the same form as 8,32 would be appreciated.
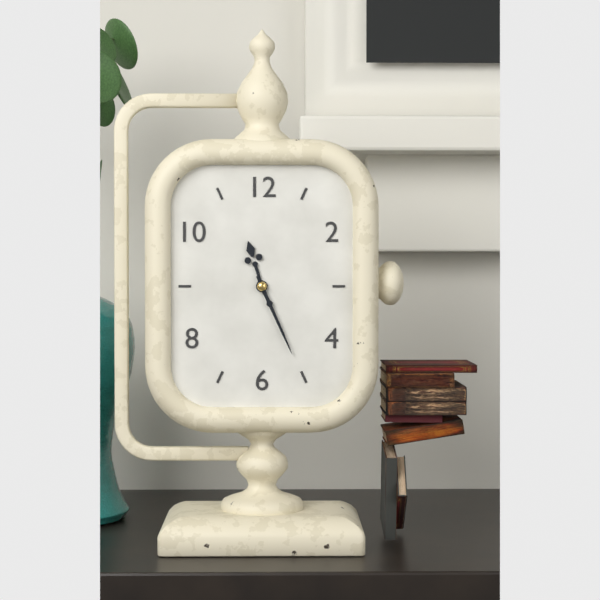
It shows 11,26
